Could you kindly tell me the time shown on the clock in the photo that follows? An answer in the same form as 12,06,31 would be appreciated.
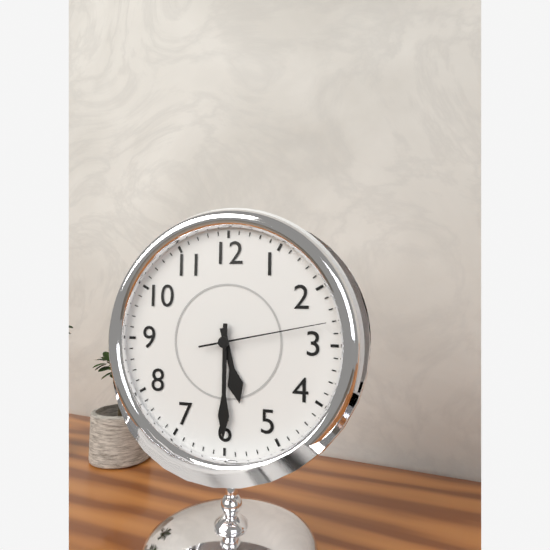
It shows 5,30,13
